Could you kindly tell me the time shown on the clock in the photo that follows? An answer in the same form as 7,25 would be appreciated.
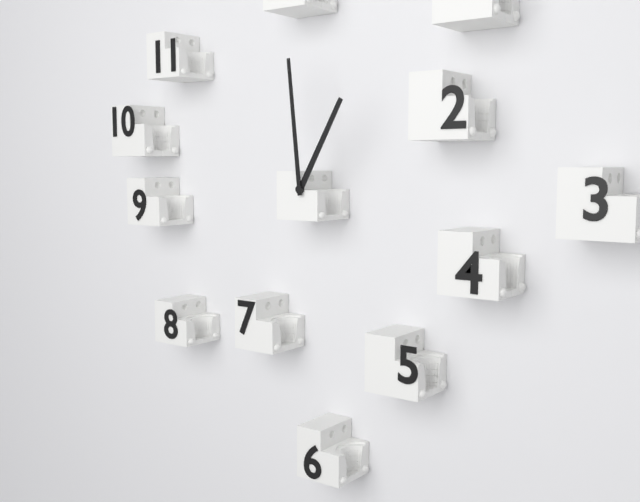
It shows 12,59
